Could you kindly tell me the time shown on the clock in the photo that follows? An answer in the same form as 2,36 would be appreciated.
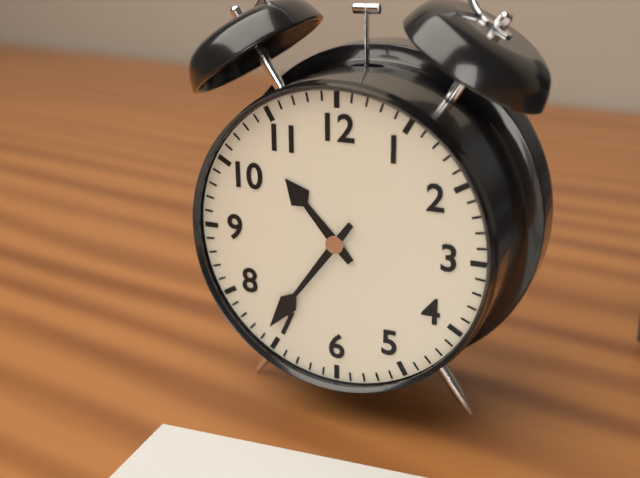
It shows 10,36
